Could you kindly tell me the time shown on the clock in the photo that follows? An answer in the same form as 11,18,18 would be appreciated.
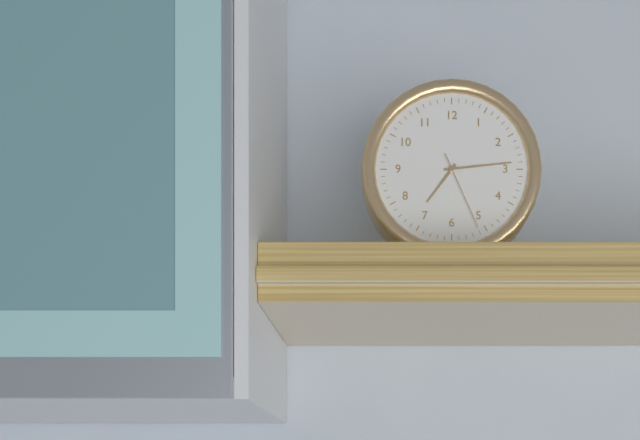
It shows 7,14,26
